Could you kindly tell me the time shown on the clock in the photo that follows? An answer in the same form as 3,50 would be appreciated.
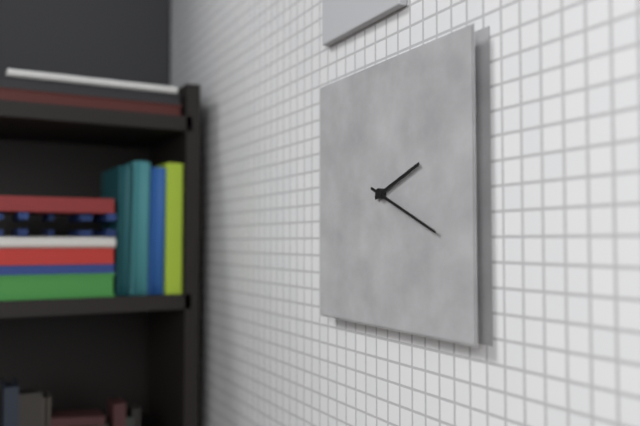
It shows 2,19
